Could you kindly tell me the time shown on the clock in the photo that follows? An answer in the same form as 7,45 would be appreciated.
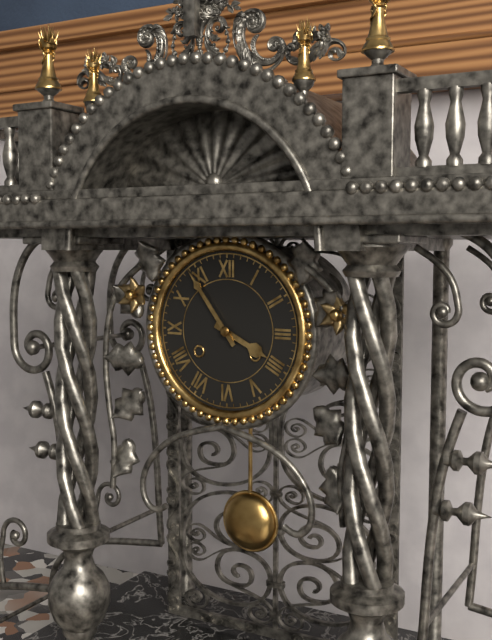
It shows 3,54
